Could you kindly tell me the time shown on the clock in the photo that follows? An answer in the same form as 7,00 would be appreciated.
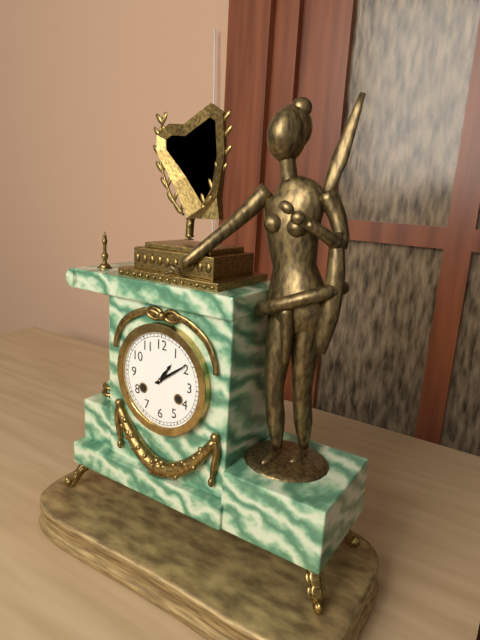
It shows 1,09
